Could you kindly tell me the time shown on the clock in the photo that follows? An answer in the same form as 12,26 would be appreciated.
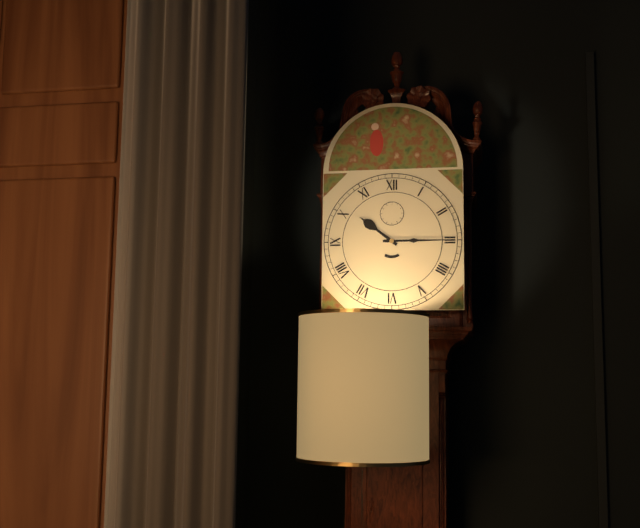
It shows 10,15
